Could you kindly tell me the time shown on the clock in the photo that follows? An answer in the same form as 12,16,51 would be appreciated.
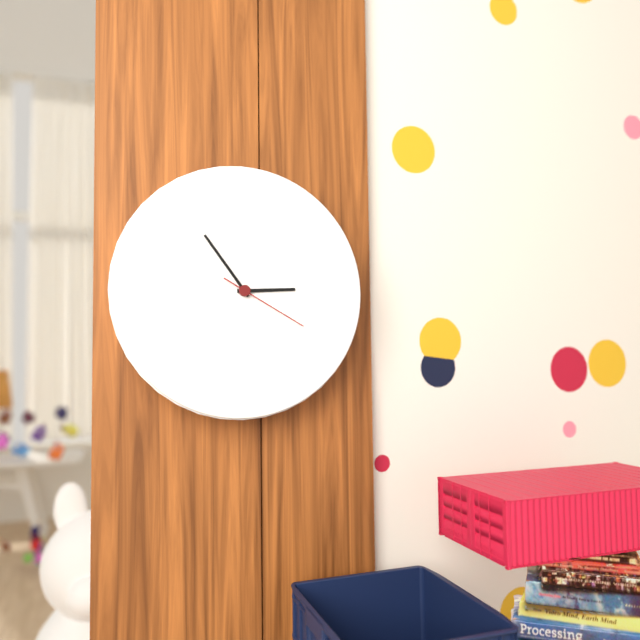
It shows 2,54,20
